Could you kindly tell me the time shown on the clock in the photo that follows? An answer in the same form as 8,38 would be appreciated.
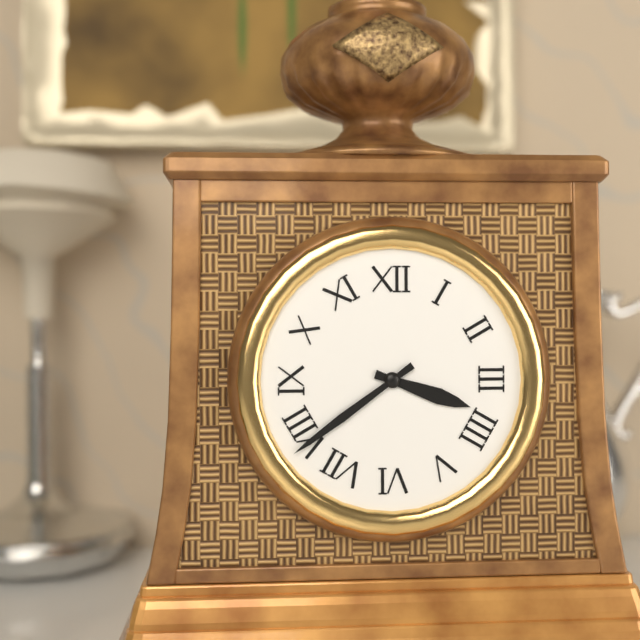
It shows 3,39
